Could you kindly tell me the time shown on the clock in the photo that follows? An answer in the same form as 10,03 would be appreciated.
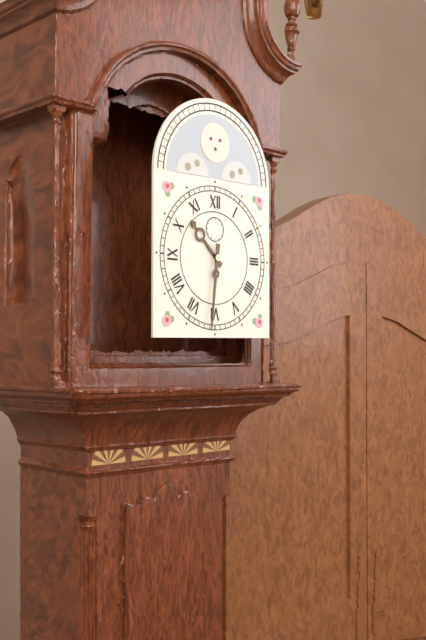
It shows 10,31
